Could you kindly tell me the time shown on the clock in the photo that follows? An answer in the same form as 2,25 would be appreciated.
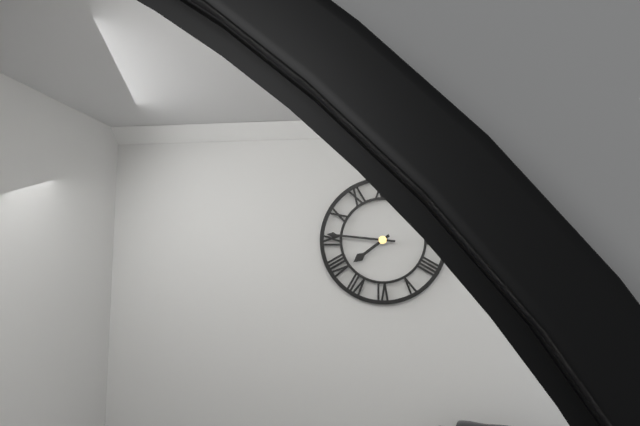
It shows 7,46
